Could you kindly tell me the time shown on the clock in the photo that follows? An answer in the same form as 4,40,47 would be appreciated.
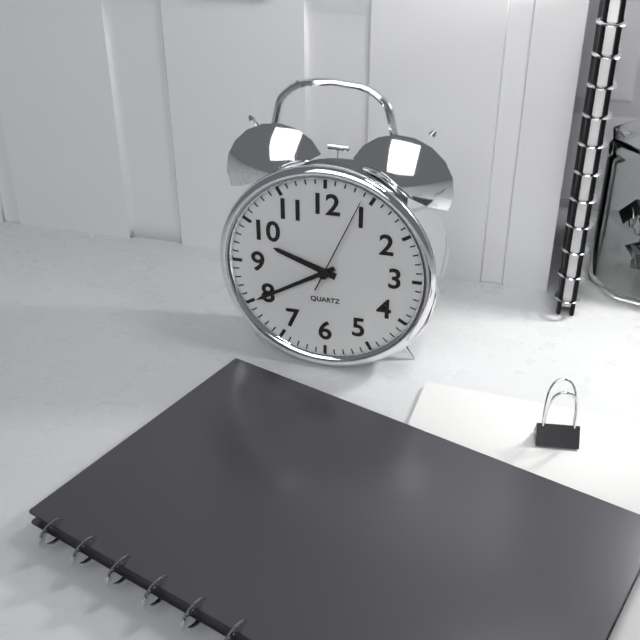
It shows 9,40,04
